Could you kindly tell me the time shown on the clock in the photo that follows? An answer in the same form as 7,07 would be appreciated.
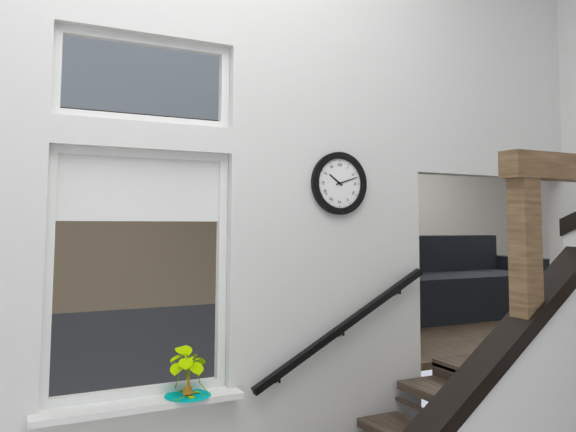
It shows 10,12
